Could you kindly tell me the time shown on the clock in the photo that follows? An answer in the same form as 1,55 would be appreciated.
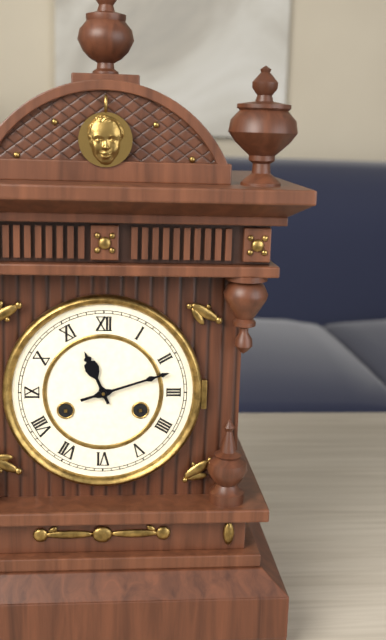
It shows 11,12
